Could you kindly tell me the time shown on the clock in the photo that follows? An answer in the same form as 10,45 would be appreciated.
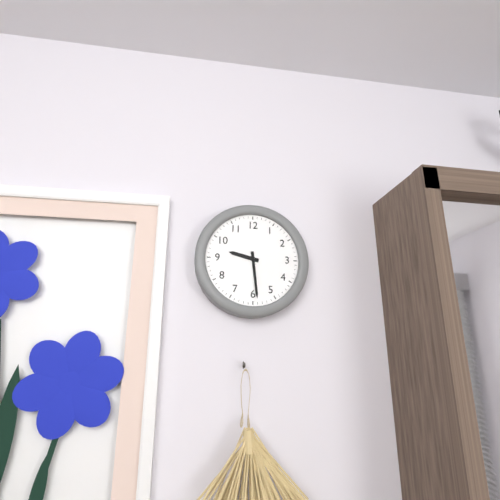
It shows 9,29
